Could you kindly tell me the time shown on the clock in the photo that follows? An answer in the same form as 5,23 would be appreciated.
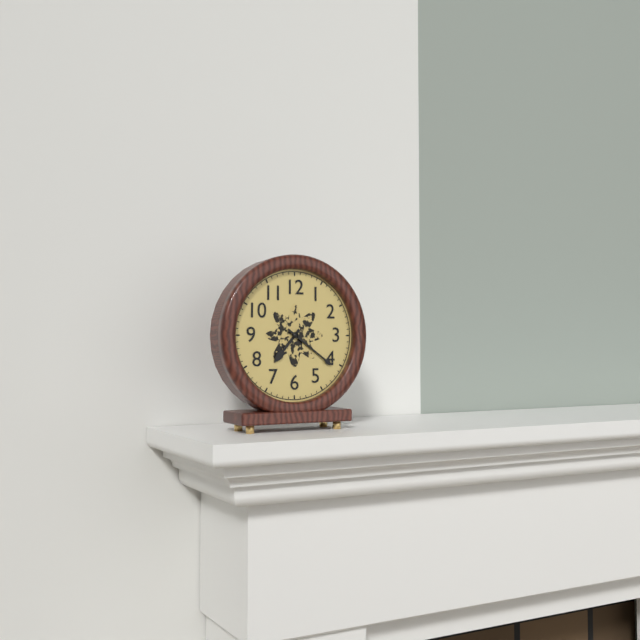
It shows 7,21
